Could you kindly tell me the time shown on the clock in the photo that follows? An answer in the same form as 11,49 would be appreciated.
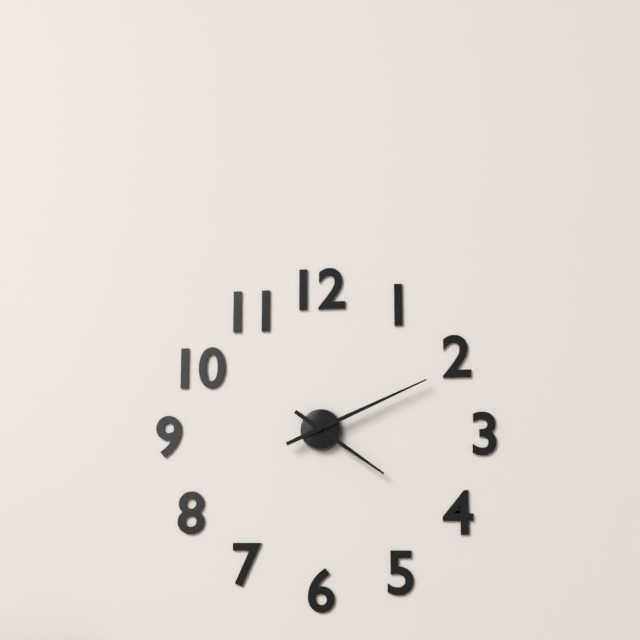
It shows 4,11
